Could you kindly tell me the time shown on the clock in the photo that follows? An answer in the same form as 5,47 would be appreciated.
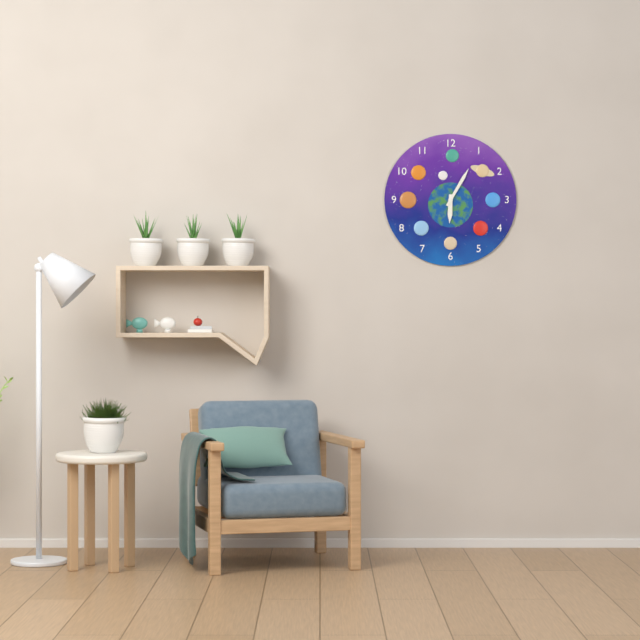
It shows 6,05
